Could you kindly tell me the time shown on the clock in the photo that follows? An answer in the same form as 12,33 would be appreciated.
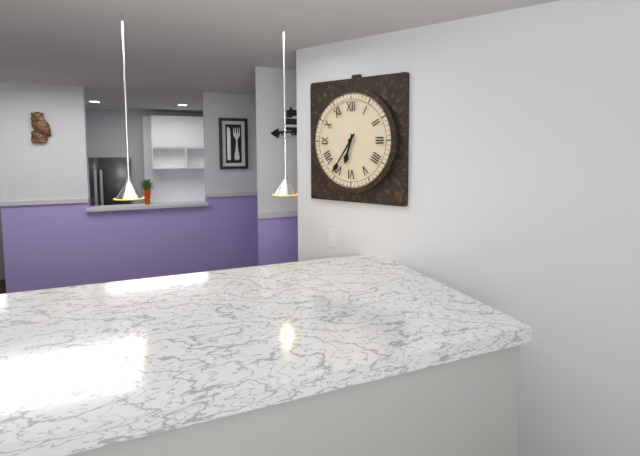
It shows 6,36
